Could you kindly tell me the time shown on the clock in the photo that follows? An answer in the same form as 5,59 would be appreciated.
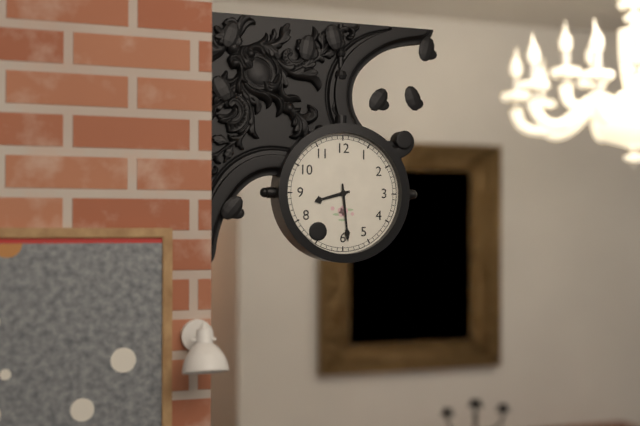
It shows 8,29
